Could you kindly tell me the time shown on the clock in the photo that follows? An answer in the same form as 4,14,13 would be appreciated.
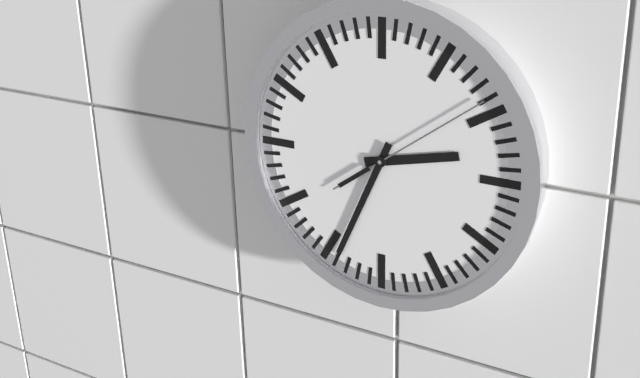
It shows 2,34,09
